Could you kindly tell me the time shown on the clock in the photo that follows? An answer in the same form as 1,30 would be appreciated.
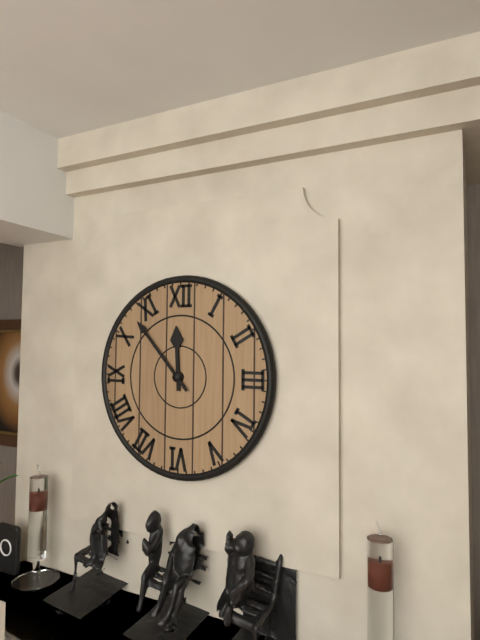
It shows 11,53
